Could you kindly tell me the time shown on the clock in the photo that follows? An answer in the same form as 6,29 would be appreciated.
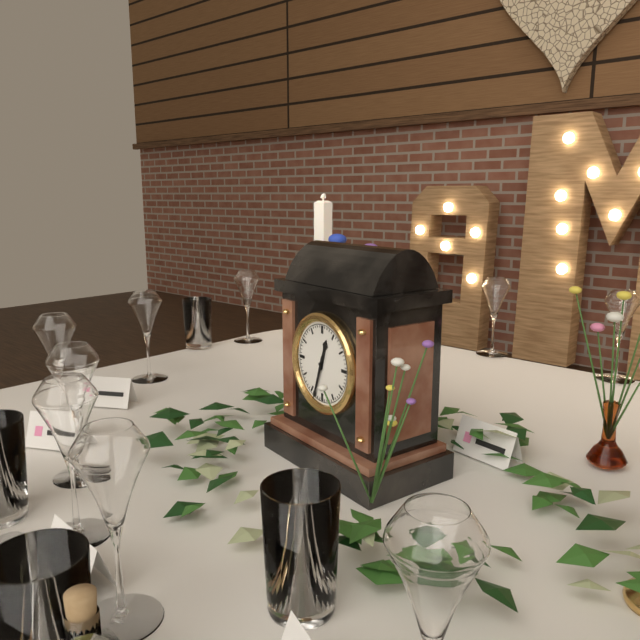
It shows 12,33
